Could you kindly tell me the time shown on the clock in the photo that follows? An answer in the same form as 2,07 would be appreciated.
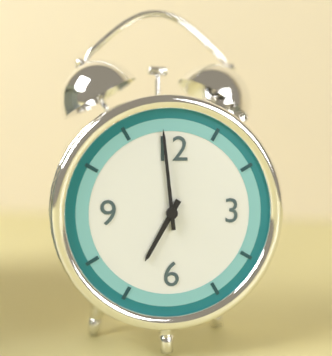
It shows 6,59
